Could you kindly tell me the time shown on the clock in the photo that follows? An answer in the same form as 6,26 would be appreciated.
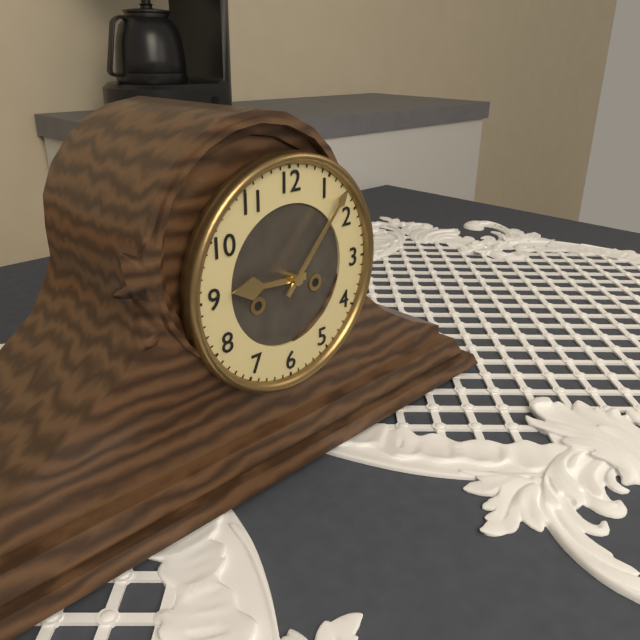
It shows 9,07
